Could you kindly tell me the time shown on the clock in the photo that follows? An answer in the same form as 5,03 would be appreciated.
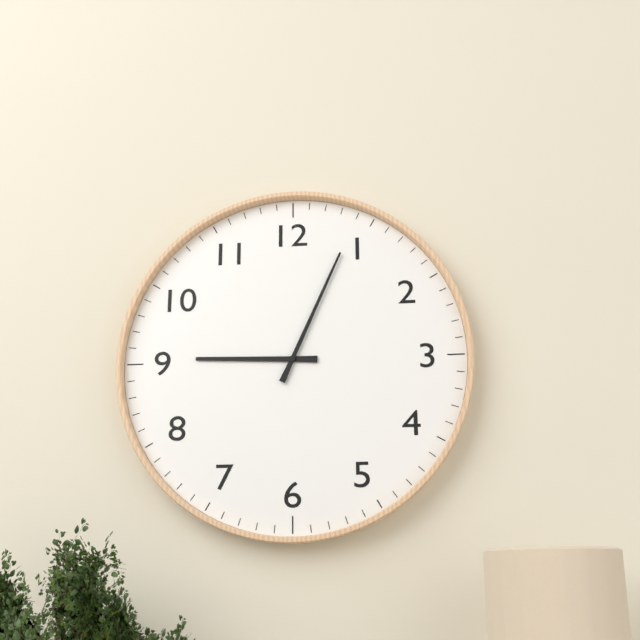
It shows 9,04
